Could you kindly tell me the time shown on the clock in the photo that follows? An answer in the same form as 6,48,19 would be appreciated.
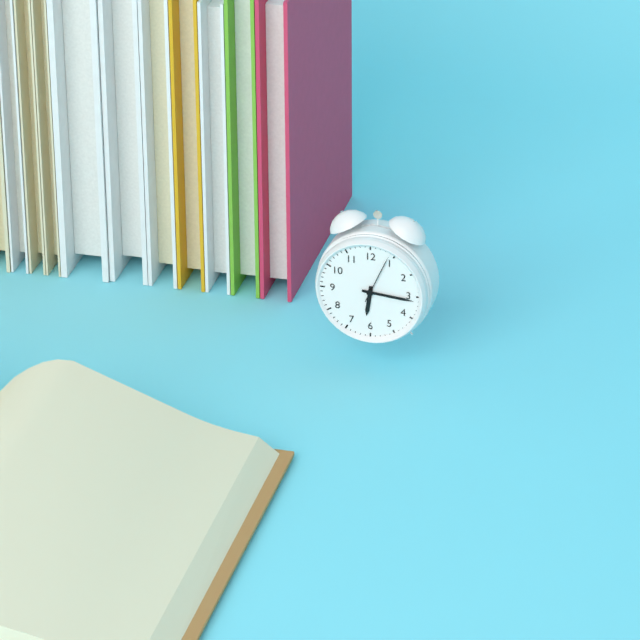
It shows 6,16,04
